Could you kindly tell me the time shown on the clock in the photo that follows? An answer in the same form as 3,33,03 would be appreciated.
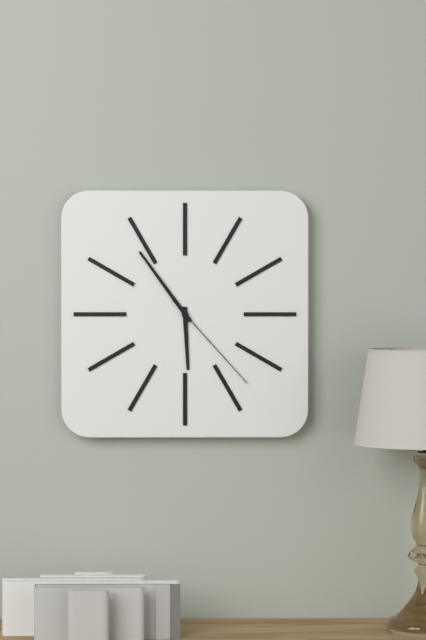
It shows 5,54,23
